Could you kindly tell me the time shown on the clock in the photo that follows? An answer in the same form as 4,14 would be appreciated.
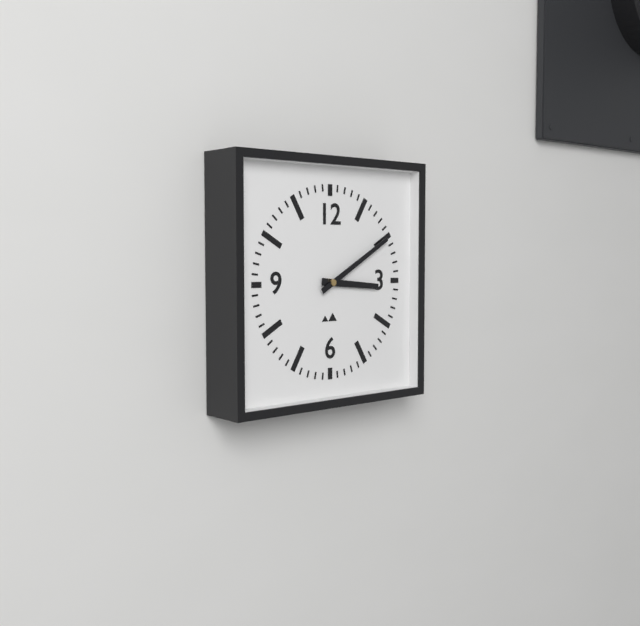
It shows 3,10
